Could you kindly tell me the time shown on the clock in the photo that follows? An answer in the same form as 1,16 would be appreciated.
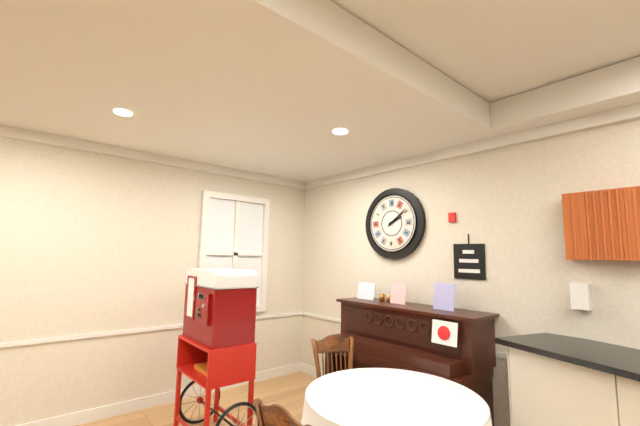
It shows 2,09
